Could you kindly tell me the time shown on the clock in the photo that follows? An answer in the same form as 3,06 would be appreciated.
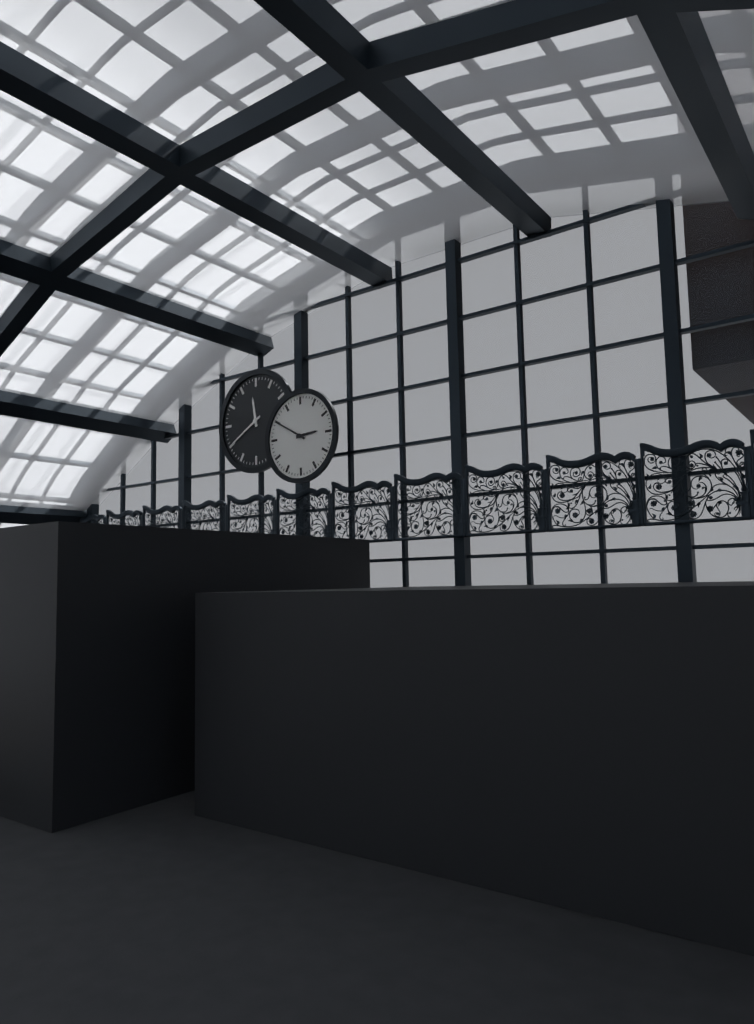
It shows 2,50
